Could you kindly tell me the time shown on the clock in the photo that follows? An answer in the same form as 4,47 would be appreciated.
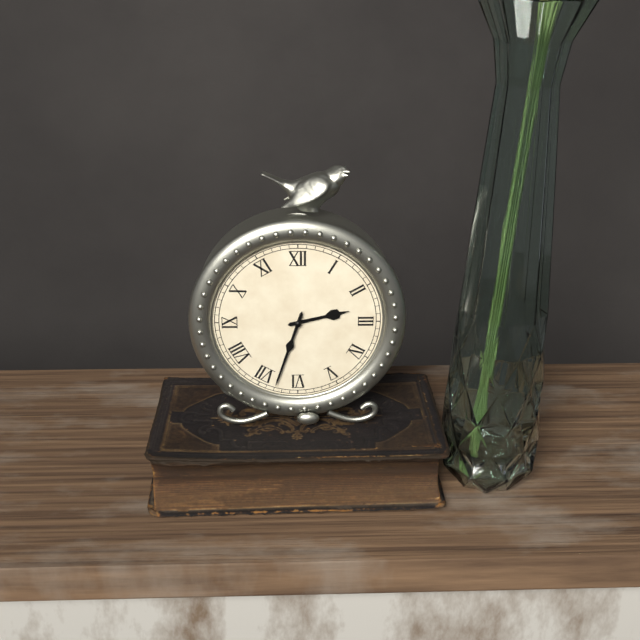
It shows 2,33
